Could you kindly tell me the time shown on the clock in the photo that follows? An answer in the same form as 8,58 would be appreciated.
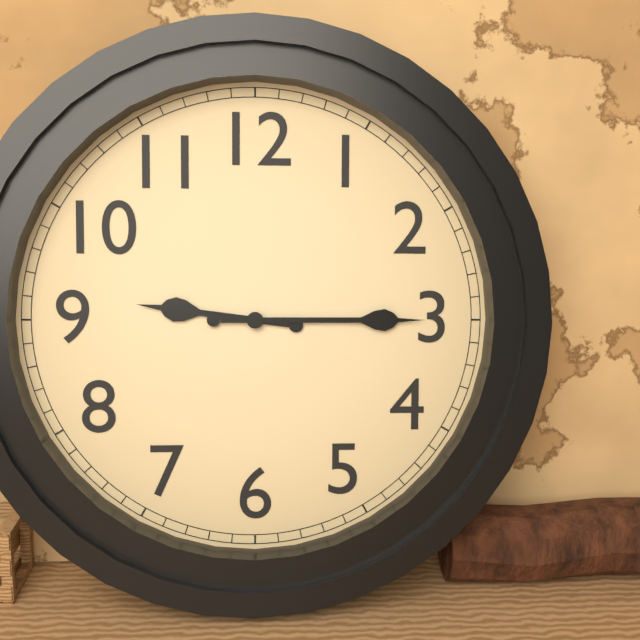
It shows 9,15
